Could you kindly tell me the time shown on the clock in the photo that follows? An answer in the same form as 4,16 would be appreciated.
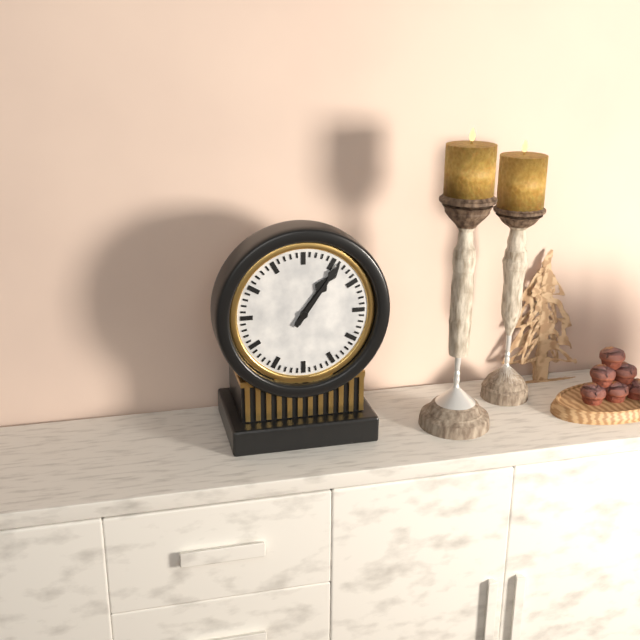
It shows 1,06
